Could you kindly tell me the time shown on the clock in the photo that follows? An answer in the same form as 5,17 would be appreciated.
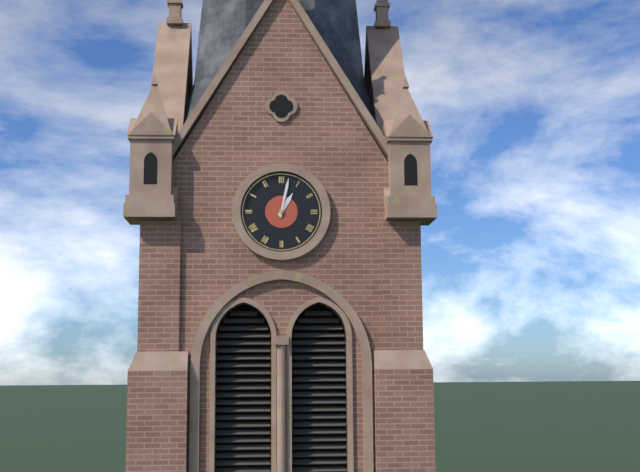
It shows 1,02
